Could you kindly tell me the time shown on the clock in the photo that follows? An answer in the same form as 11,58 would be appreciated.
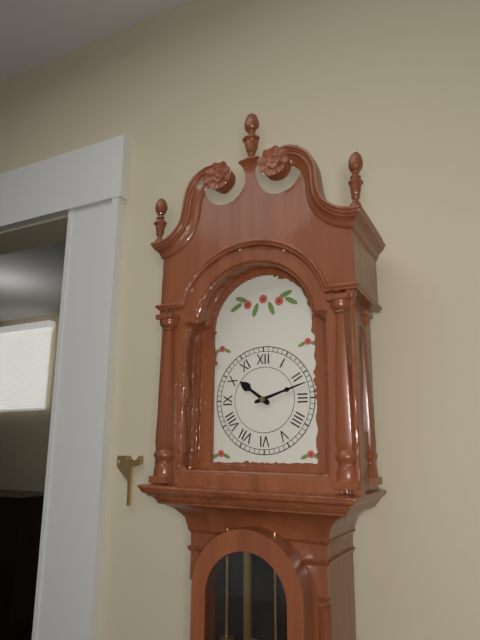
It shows 10,12
